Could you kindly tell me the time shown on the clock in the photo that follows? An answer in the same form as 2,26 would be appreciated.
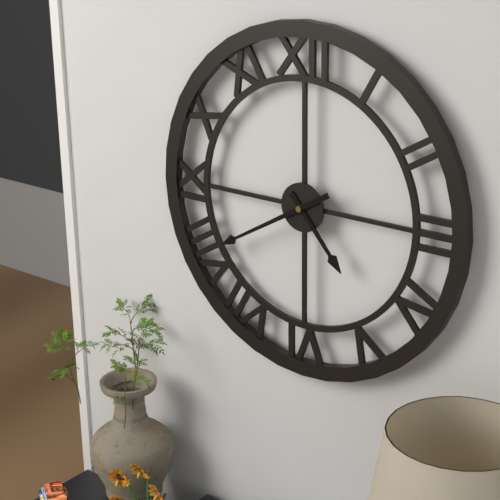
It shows 4,40
